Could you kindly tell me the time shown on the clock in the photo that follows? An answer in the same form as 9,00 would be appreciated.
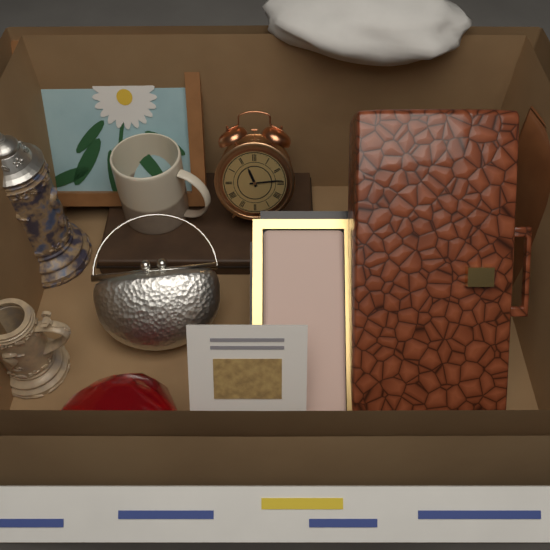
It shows 11,14
